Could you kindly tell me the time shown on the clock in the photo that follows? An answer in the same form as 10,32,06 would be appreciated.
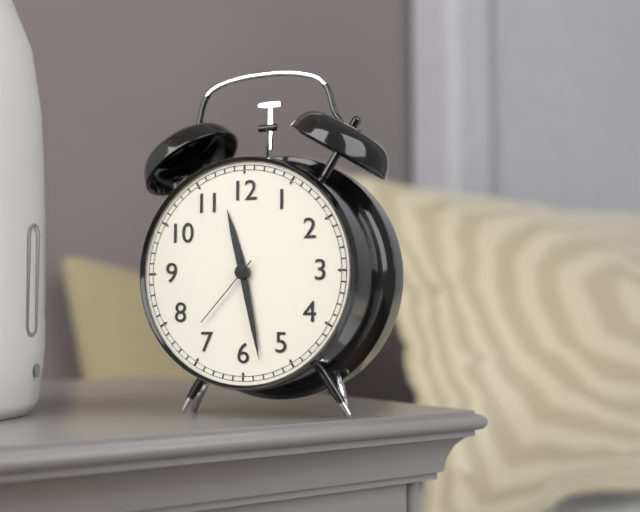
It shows 11,28,37
